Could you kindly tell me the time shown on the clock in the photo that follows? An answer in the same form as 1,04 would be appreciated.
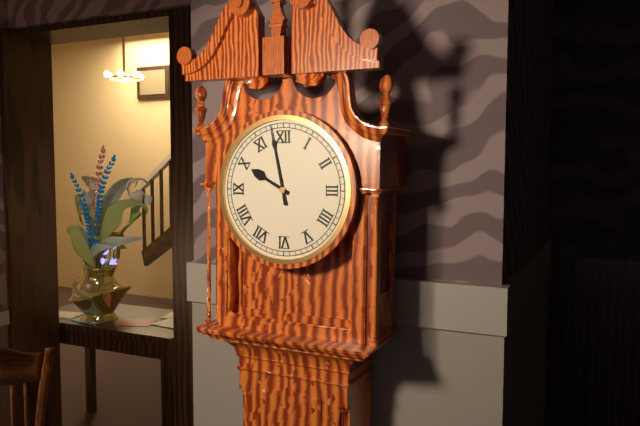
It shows 9,58
